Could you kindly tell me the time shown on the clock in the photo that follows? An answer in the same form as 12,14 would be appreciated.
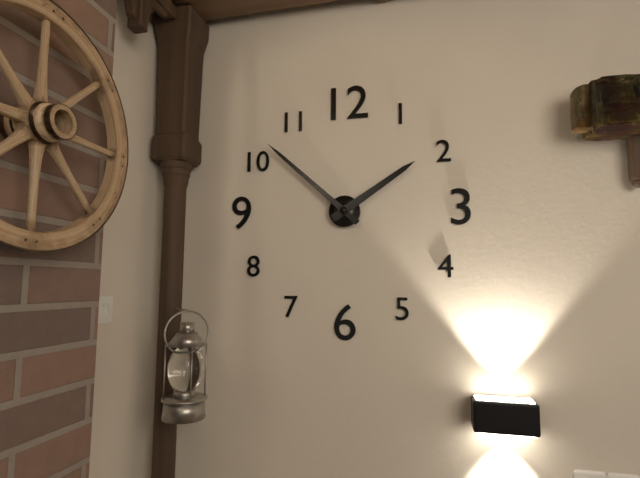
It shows 1,52
